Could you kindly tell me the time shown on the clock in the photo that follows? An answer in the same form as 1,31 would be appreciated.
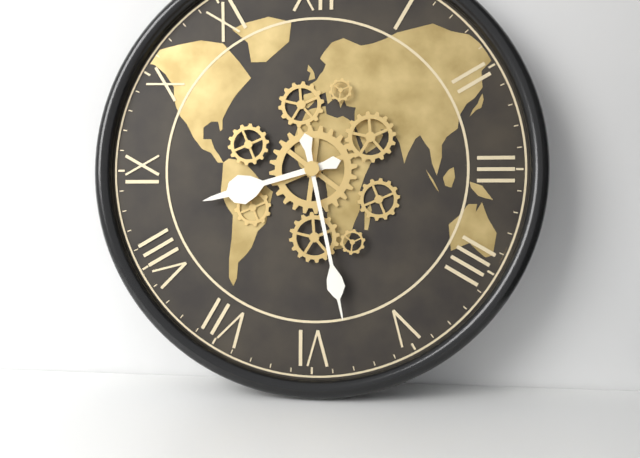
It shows 8,28
